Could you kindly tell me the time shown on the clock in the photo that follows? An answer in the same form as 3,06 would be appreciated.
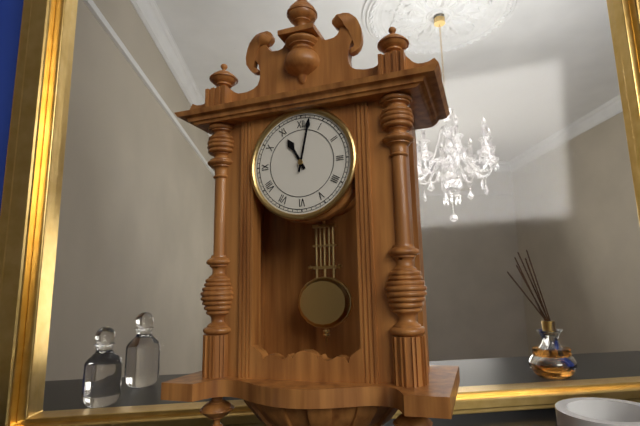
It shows 11,02
